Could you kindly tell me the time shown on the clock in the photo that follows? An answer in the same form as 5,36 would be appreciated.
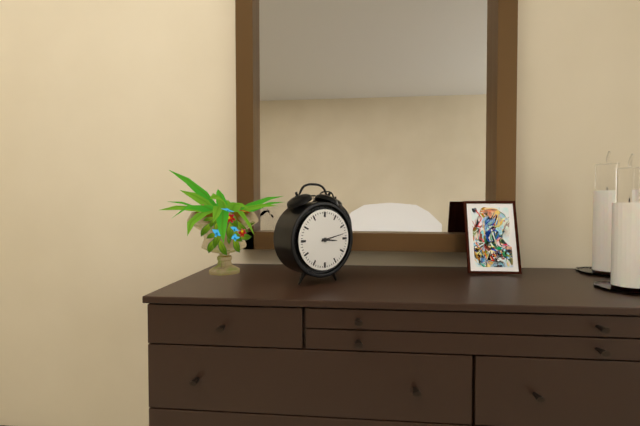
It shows 3,13
